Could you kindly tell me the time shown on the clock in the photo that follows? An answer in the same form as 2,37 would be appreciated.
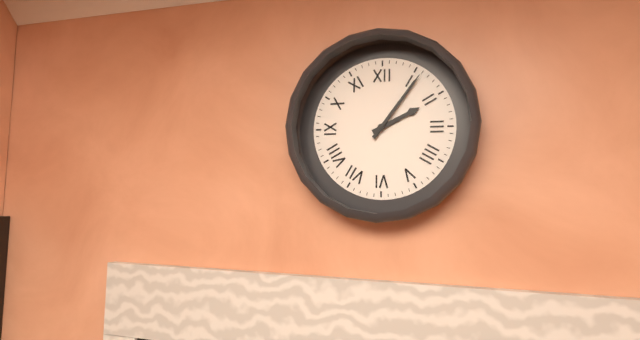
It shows 2,06
